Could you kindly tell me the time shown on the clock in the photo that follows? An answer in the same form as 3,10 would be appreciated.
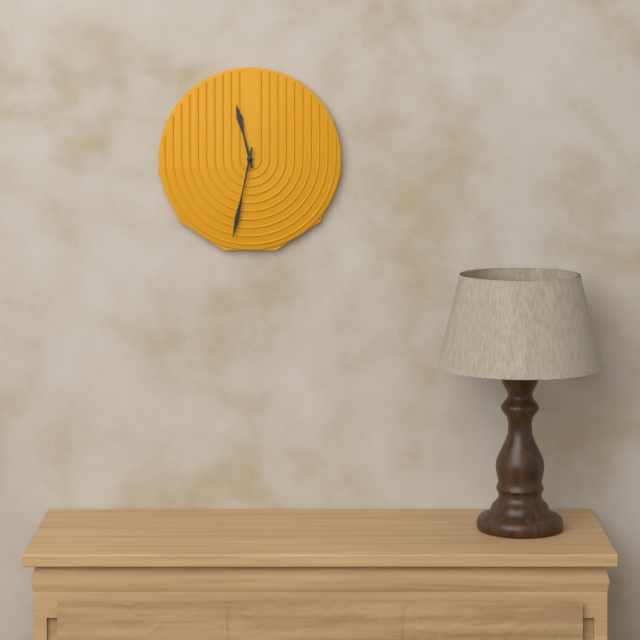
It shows 11,32
